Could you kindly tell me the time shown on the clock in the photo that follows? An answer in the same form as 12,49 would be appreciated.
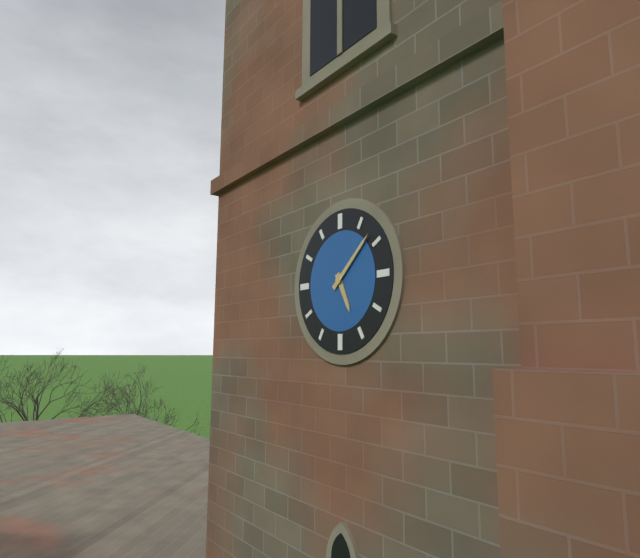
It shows 5,08
